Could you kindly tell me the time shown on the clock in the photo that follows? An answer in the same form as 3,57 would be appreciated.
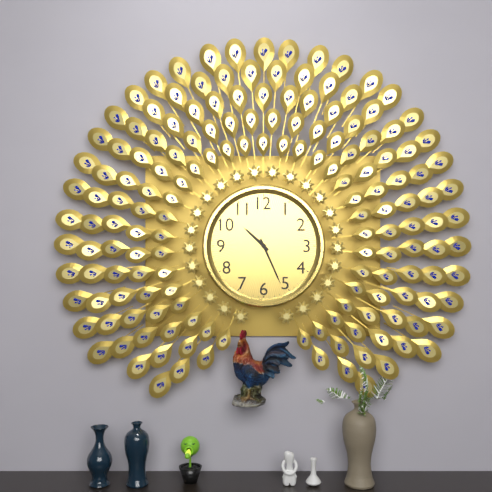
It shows 10,26
